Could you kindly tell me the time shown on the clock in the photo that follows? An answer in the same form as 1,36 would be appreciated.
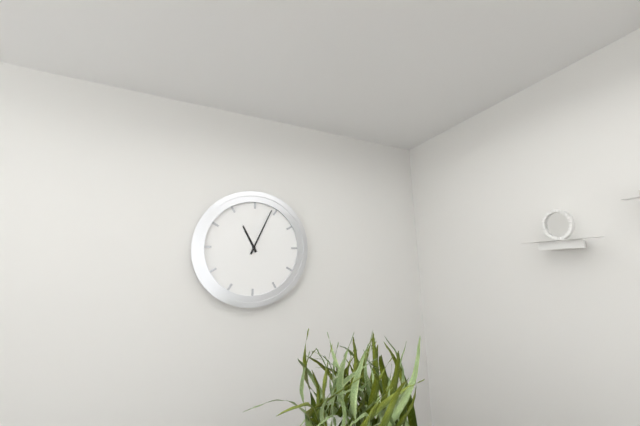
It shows 11,04
